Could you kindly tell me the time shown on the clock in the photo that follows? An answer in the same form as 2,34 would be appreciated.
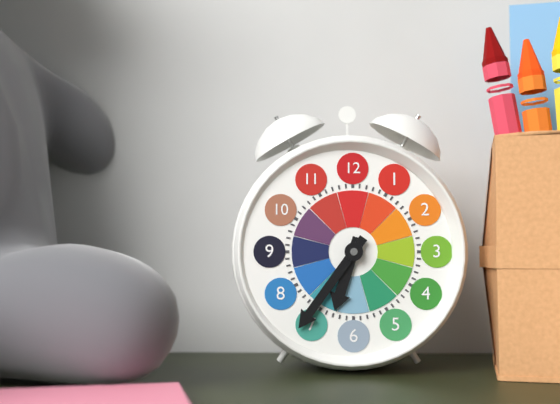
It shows 6,36
